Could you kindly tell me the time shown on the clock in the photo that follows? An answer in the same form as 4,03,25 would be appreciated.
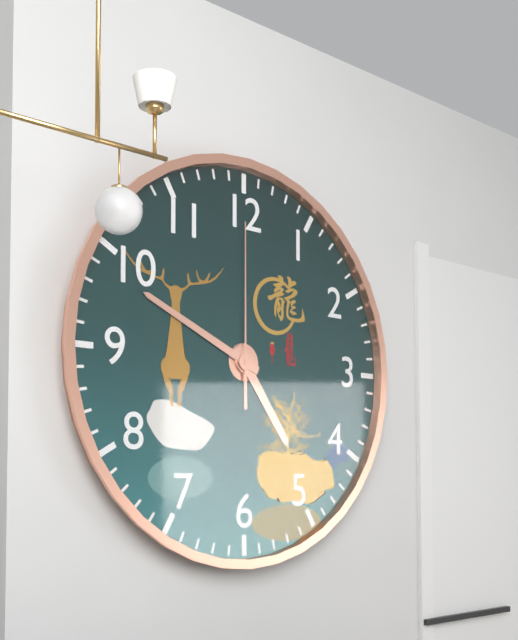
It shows 4,49,00
